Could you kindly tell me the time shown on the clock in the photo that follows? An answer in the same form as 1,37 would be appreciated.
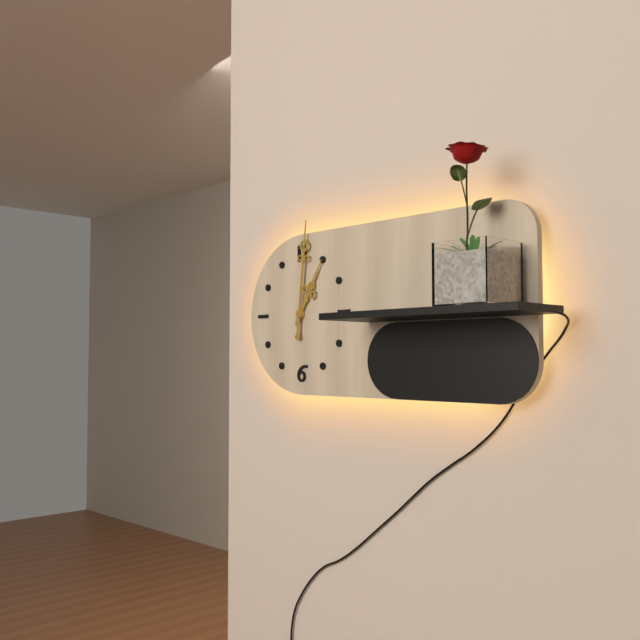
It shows 1,01
